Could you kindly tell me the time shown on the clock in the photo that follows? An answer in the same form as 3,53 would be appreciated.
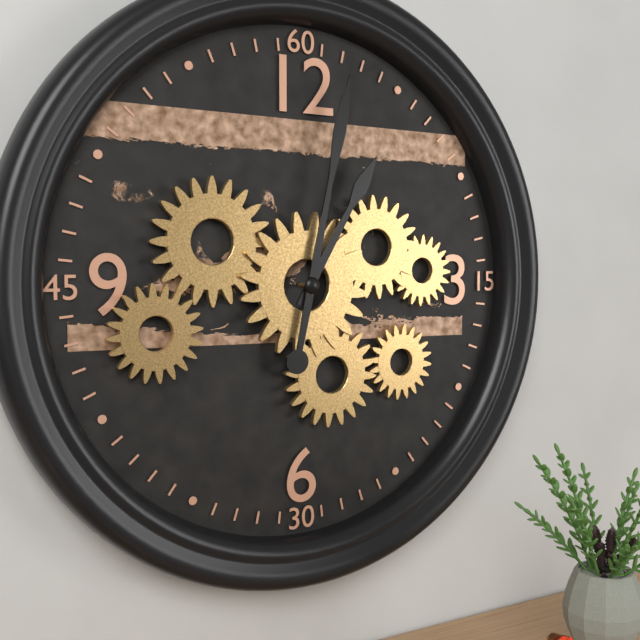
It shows 1,02
